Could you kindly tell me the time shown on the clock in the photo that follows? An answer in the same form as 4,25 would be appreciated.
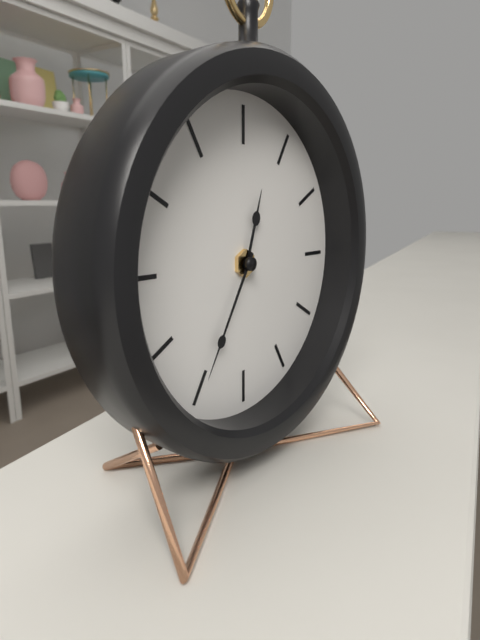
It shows 12,35
